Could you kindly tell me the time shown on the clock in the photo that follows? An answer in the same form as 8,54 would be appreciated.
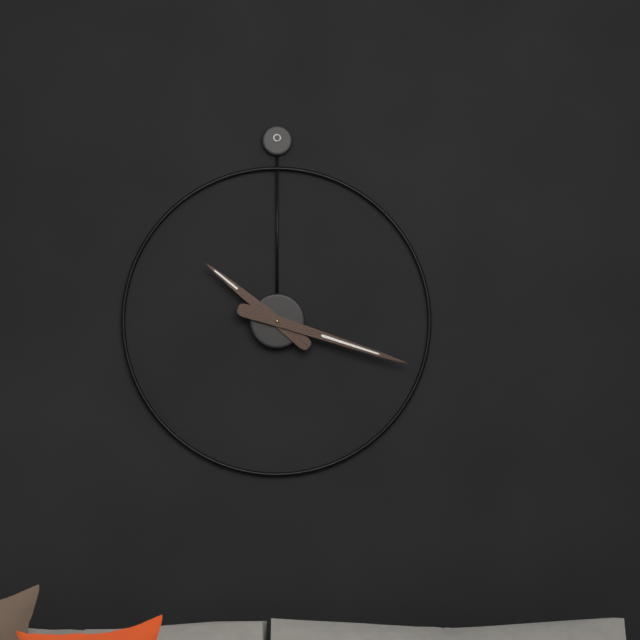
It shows 10,18
